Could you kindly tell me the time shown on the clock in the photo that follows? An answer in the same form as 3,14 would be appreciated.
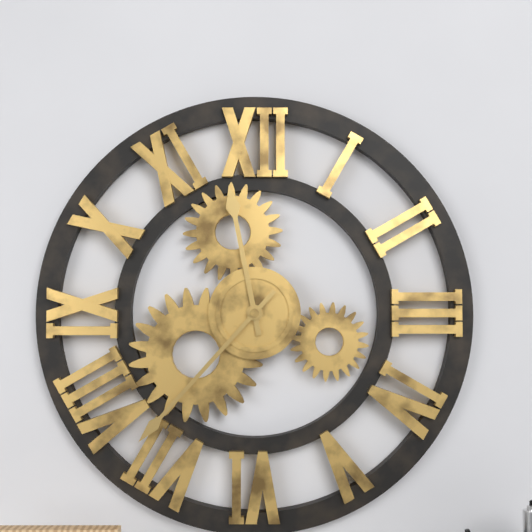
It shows 11,37
